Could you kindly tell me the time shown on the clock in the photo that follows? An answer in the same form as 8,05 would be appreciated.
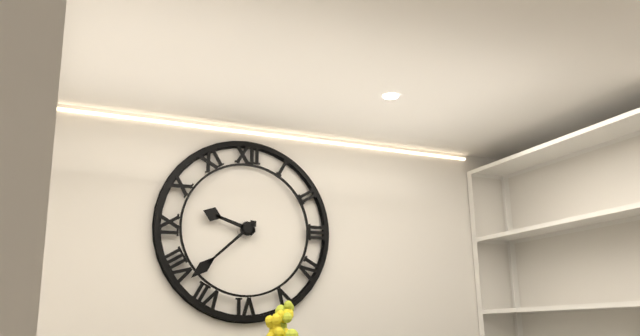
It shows 9,38
